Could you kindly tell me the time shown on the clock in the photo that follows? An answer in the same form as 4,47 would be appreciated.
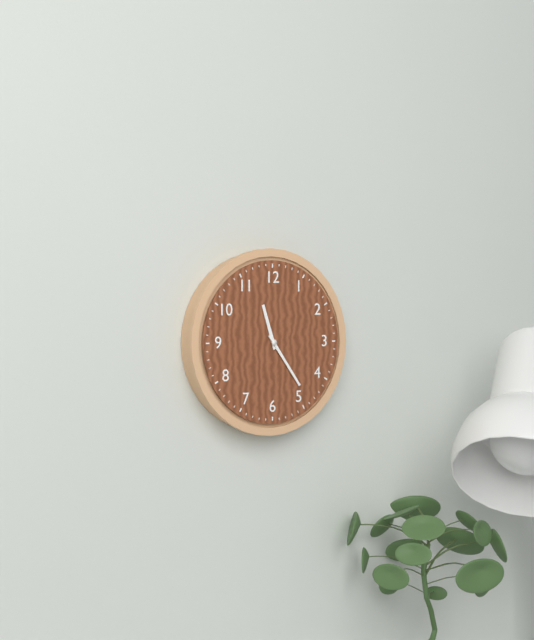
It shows 11,24
